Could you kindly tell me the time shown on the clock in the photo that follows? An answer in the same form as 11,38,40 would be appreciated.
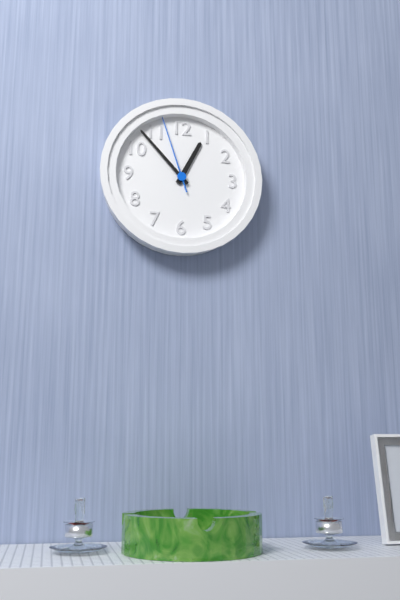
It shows 12,53,57
